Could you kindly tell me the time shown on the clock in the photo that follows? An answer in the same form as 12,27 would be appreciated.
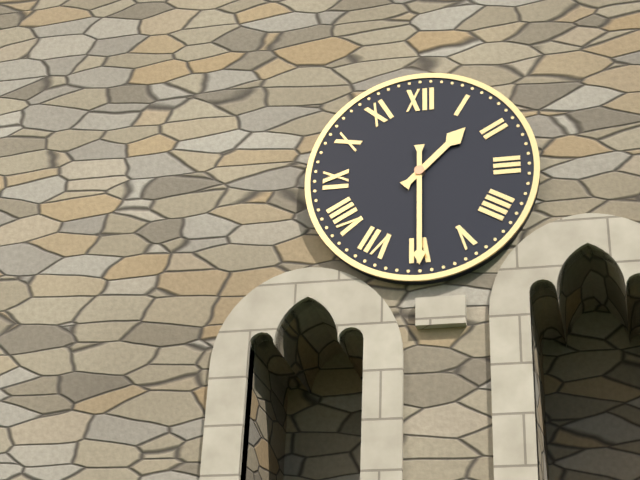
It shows 1,30
